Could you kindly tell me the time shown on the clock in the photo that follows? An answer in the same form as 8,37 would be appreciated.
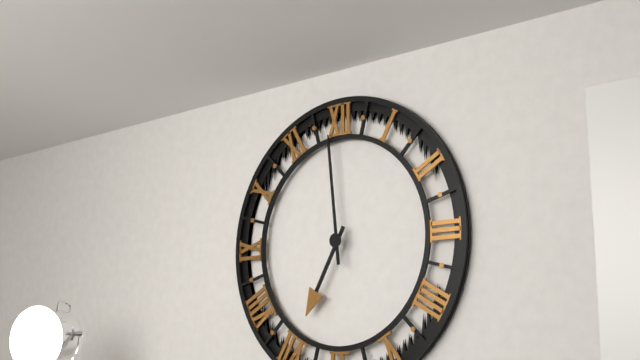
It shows 6,59
